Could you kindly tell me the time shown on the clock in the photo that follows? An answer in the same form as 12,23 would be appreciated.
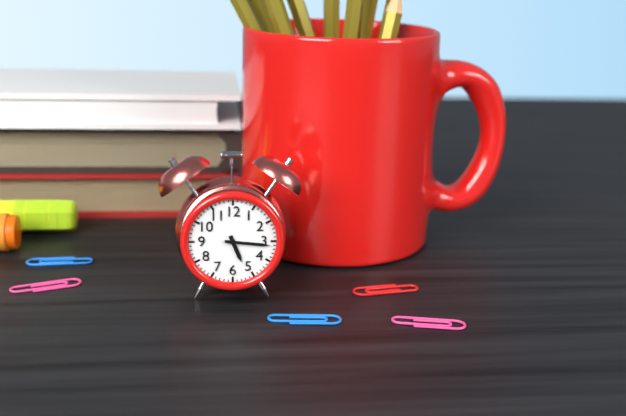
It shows 5,16
